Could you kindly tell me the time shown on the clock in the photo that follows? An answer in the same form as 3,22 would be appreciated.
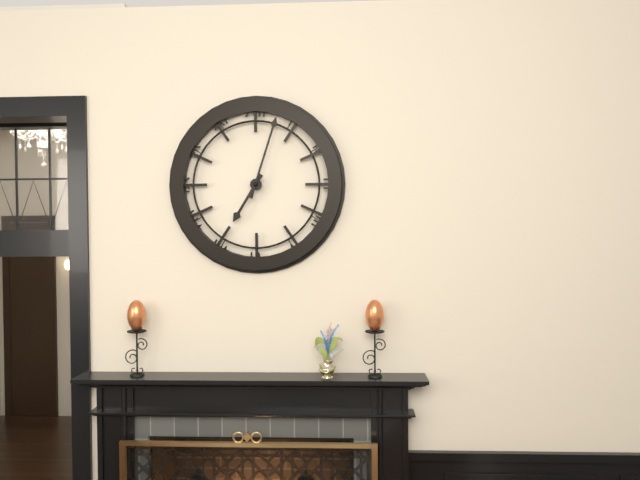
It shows 7,03
